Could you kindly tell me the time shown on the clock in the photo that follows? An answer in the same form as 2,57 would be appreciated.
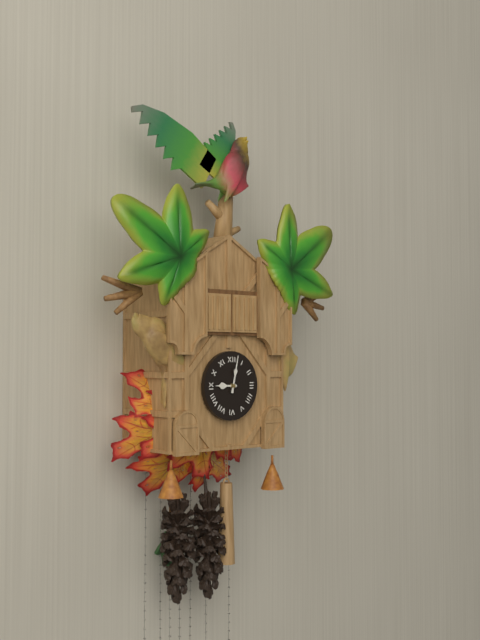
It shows 9,02
